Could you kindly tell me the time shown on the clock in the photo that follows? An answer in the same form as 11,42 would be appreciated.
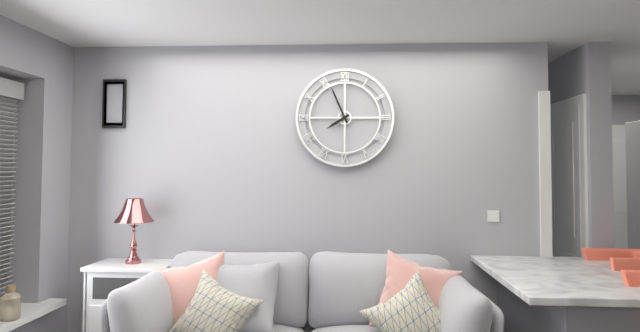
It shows 7,56
